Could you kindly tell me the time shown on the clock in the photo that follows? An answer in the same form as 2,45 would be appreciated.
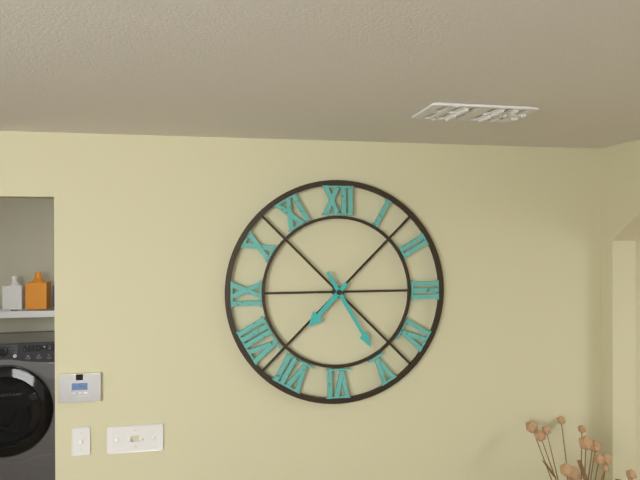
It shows 7,25
